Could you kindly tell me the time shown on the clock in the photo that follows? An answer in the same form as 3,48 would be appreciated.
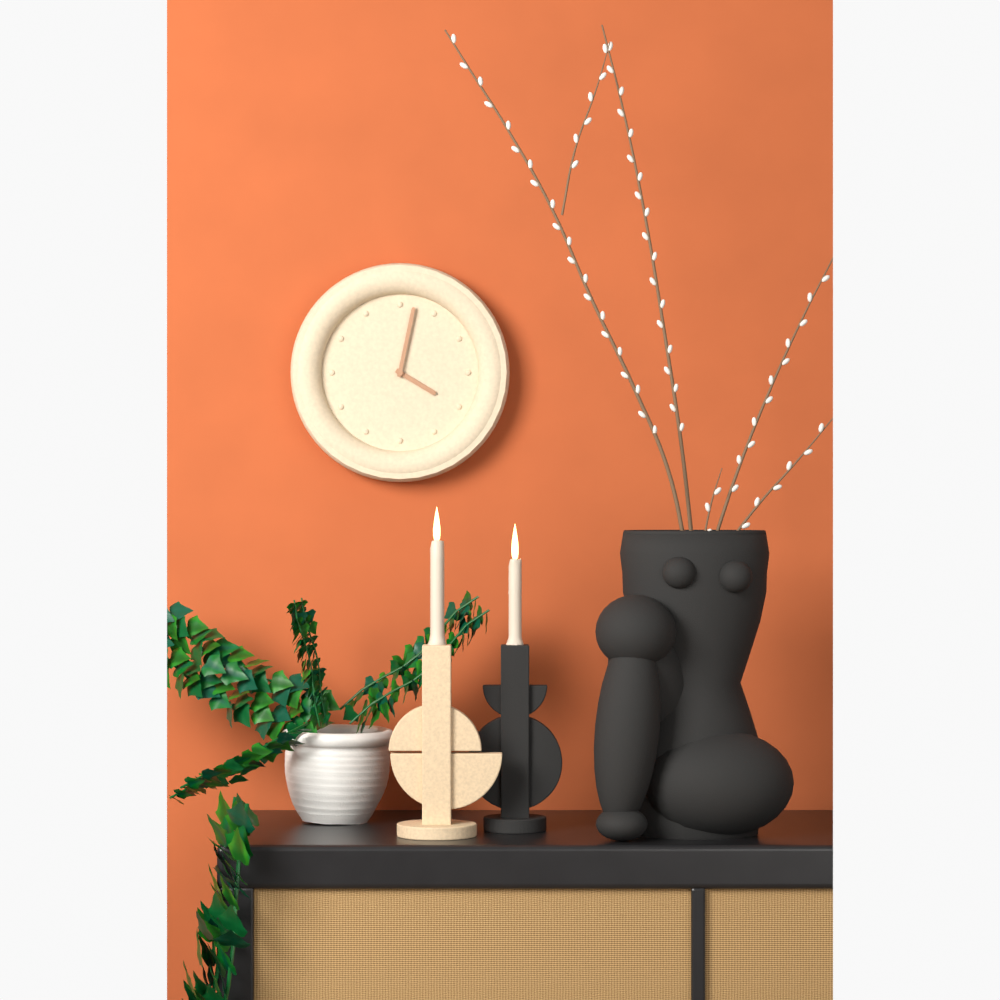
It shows 4,02
